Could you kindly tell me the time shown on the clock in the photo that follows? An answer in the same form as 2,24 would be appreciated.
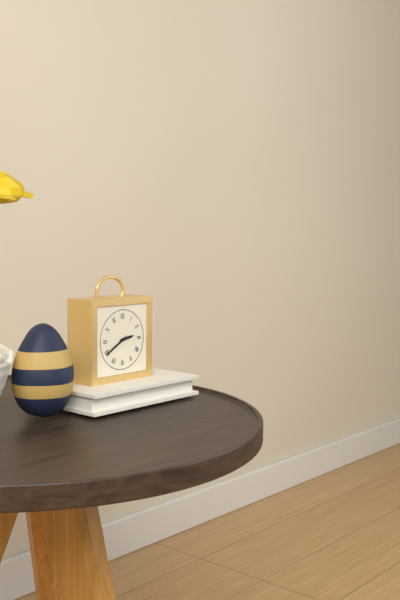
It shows 2,40
